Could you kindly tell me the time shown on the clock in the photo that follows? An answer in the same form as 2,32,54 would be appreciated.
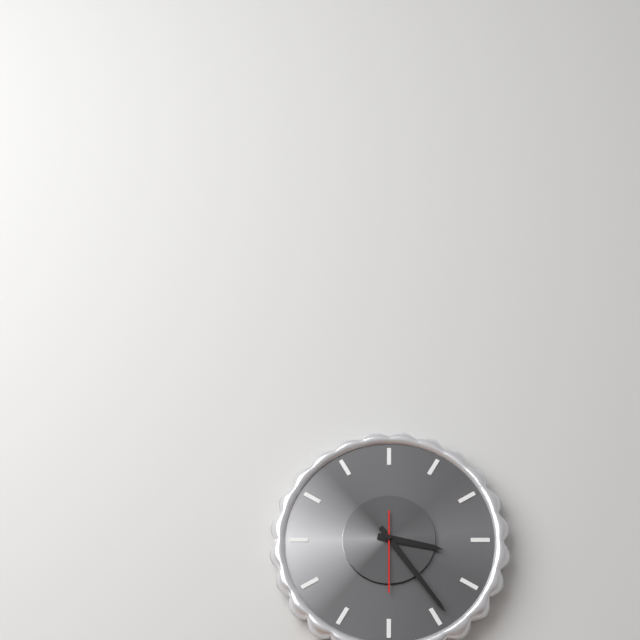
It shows 3,24,30
